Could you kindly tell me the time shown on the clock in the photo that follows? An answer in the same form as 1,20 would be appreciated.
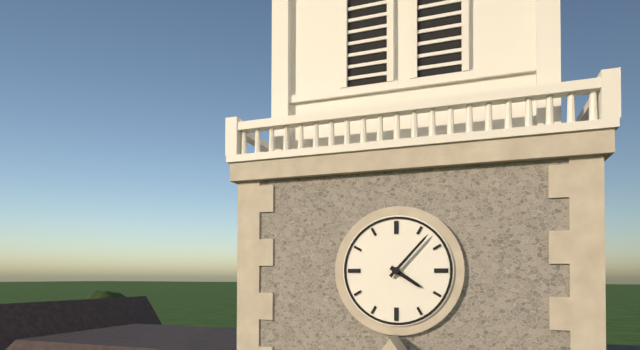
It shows 4,07
